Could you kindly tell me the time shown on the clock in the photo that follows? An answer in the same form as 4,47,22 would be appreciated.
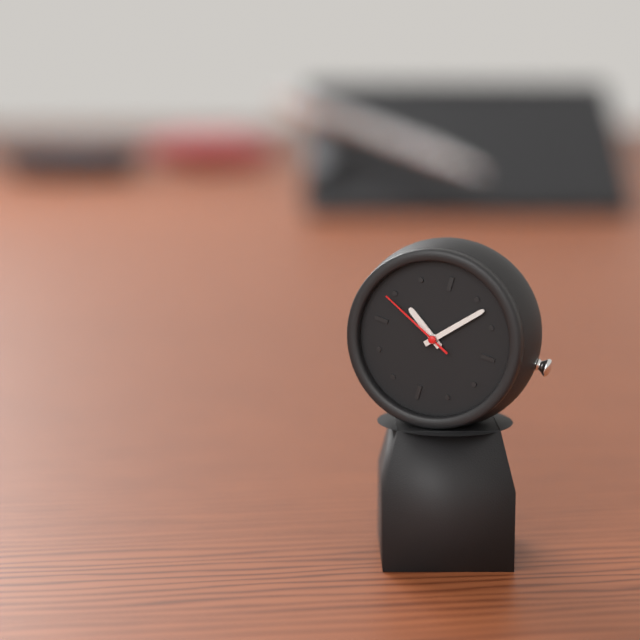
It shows 10,07,49
